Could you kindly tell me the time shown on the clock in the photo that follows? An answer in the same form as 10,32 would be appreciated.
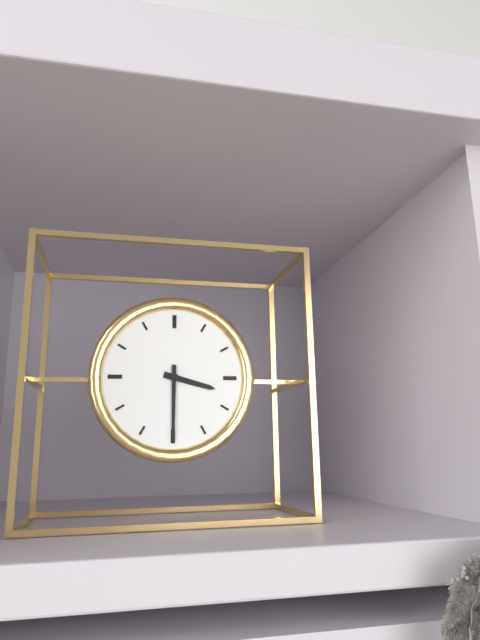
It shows 3,30
